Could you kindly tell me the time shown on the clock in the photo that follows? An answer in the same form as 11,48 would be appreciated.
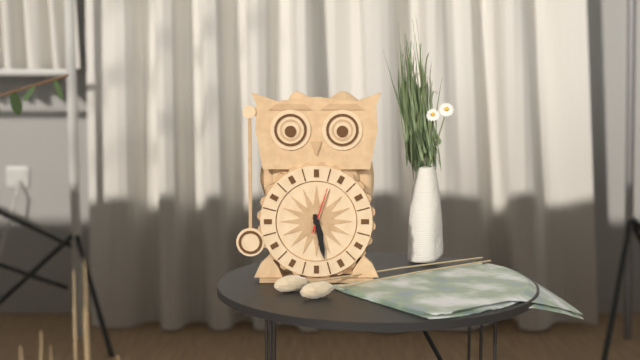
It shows 5,28
